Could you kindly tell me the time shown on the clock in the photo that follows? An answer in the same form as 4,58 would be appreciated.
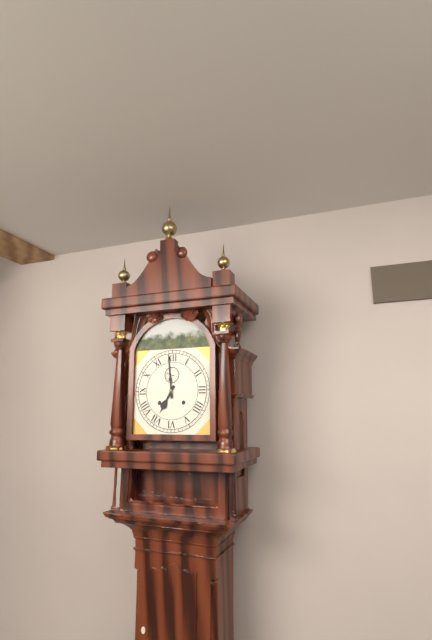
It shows 6,59
